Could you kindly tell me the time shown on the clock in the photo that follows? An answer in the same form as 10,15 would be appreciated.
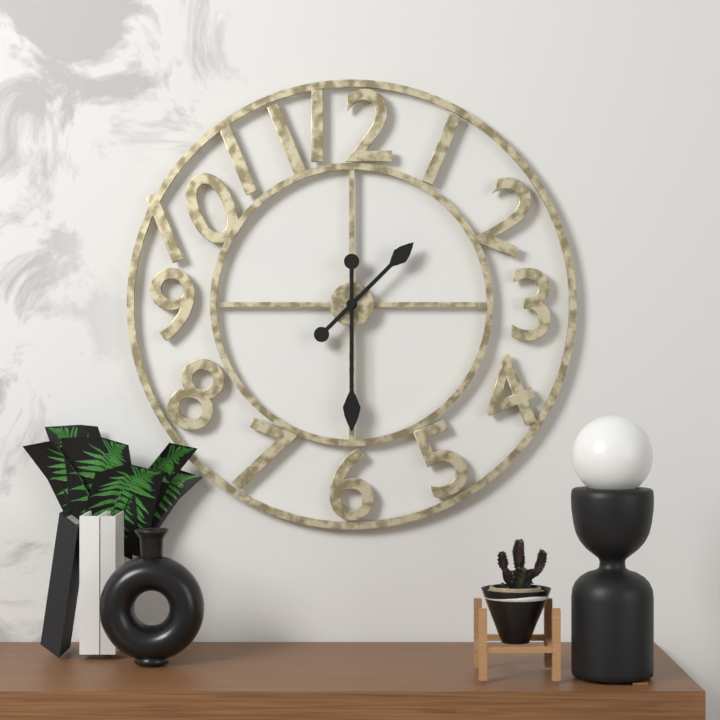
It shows 1,30
